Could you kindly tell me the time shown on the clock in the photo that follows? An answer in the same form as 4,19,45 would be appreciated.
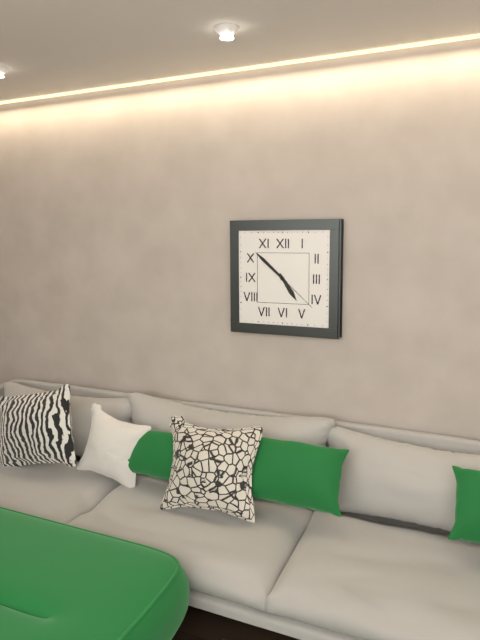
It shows 4,52,22
